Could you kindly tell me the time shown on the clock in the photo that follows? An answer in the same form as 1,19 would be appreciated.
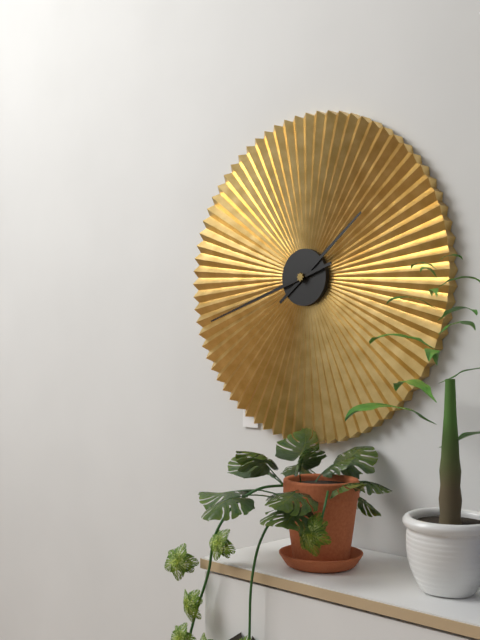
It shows 1,42
